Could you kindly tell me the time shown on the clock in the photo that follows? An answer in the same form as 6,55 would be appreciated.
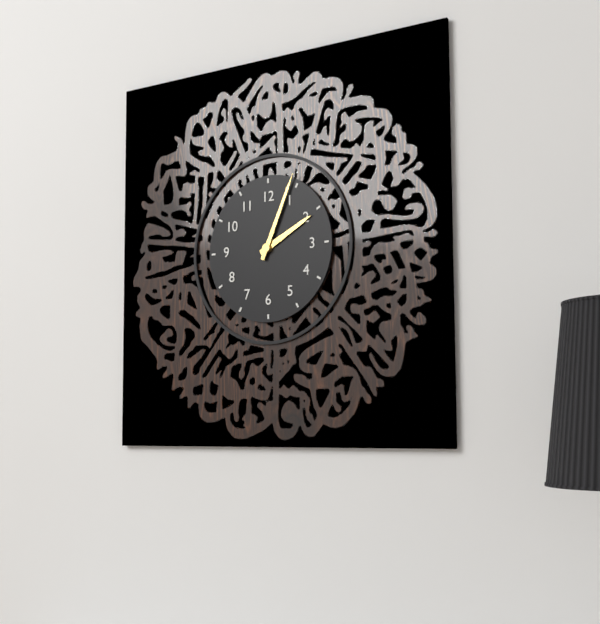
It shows 2,04
